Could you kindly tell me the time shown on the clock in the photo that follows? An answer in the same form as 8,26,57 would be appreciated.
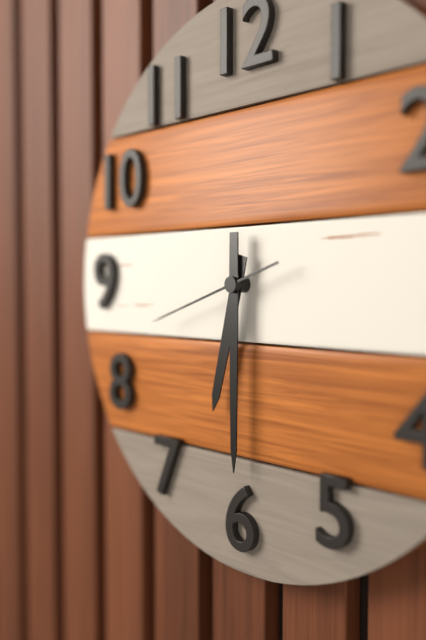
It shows 6,30,42
